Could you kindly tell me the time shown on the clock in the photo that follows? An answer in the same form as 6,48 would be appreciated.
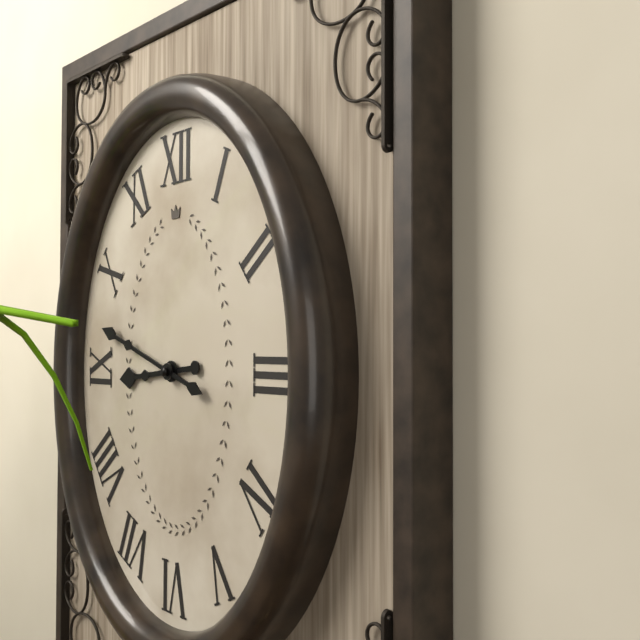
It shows 8,48
